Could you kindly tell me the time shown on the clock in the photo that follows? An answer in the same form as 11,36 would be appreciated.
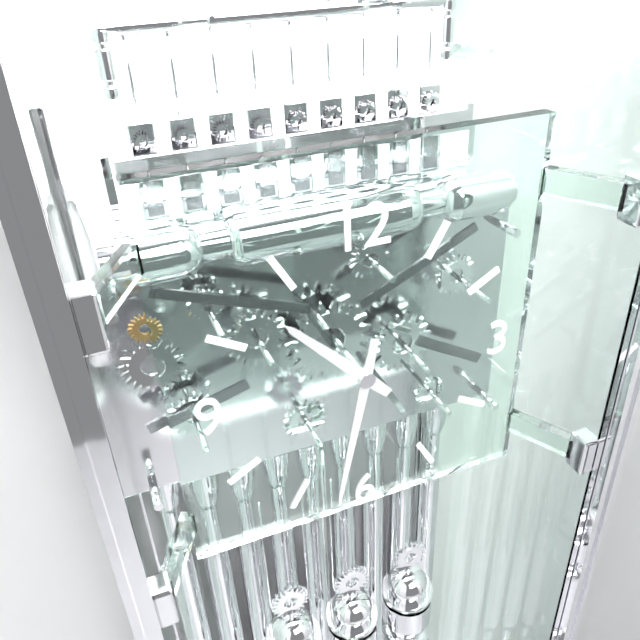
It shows 10,32
